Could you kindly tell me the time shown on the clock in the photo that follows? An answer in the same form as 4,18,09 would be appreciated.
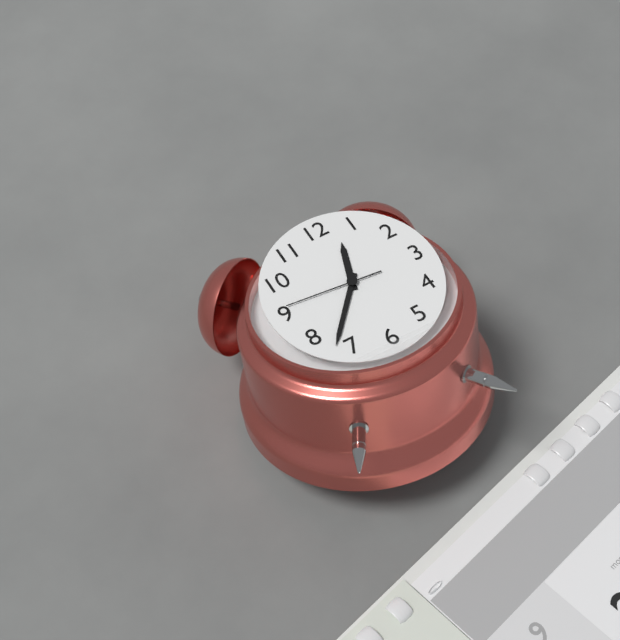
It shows 12,37,46
